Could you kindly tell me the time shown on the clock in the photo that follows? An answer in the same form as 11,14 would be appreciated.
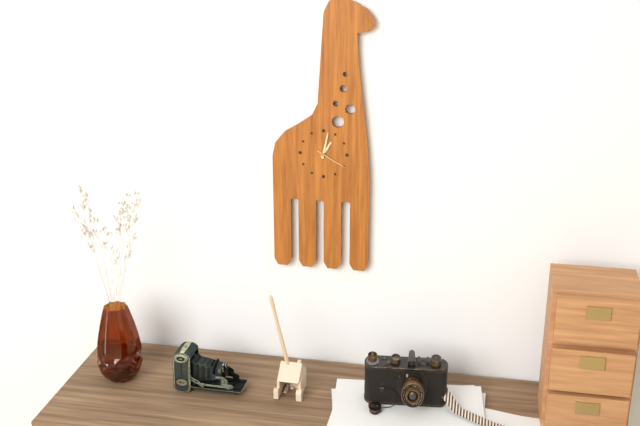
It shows 1,02
